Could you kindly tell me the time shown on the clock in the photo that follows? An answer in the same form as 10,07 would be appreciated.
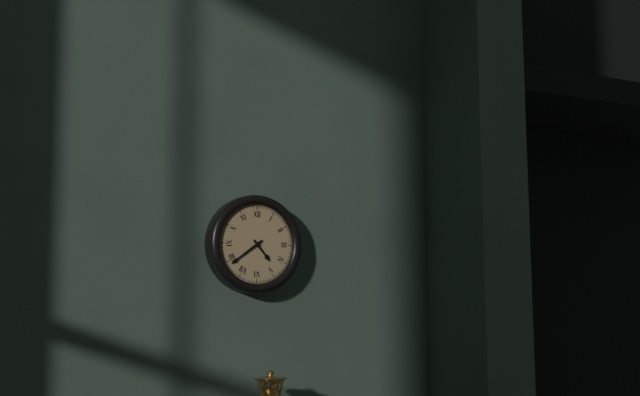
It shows 4,39
